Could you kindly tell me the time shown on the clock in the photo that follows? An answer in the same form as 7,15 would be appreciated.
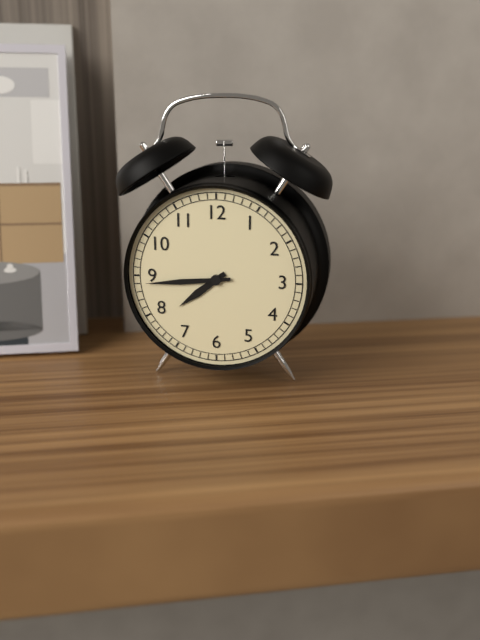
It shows 7,44
